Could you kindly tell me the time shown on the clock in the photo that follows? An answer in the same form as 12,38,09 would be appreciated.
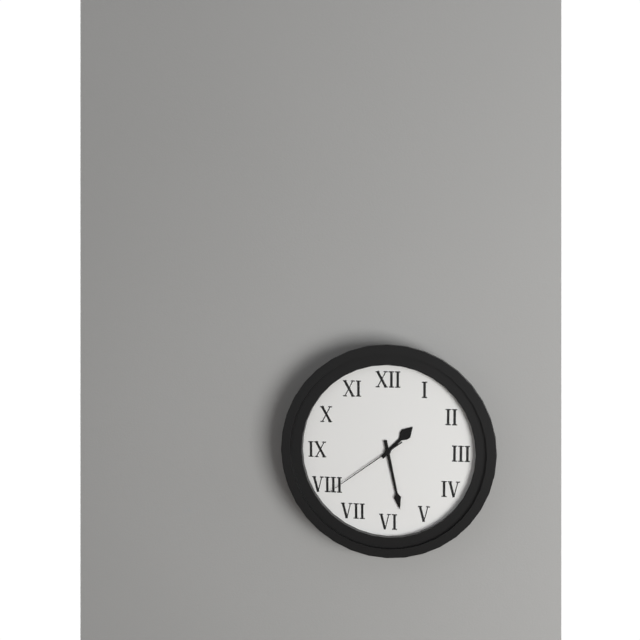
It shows 1,28,39
